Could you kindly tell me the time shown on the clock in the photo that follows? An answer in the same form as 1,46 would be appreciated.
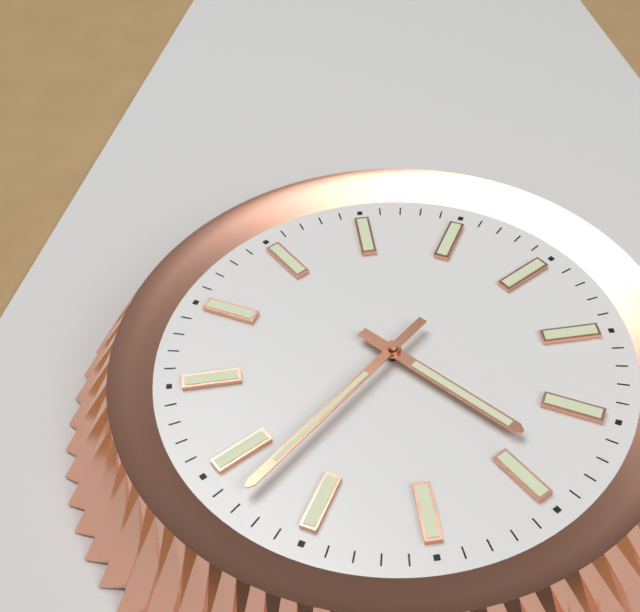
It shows 4,38
